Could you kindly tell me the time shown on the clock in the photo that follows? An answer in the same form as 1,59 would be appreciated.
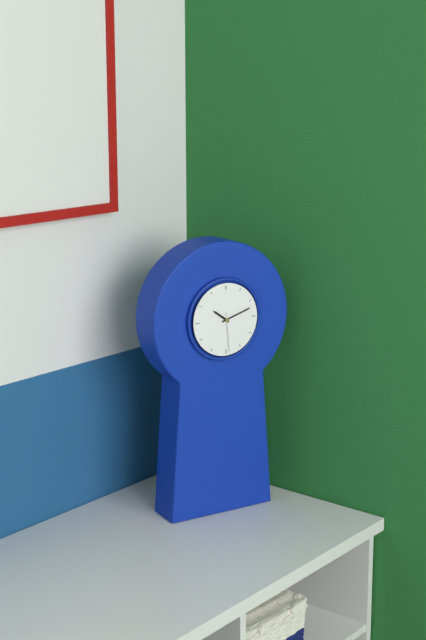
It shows 10,12
